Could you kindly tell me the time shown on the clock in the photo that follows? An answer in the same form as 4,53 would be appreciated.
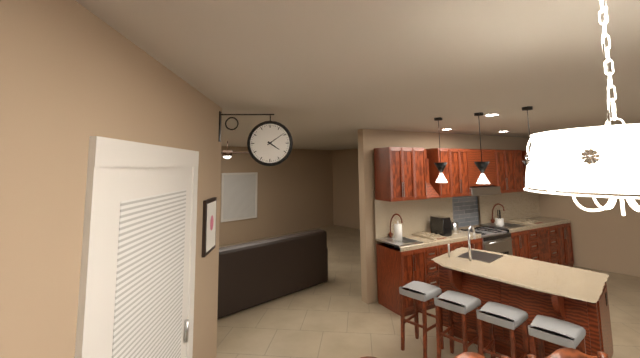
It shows 4,09
